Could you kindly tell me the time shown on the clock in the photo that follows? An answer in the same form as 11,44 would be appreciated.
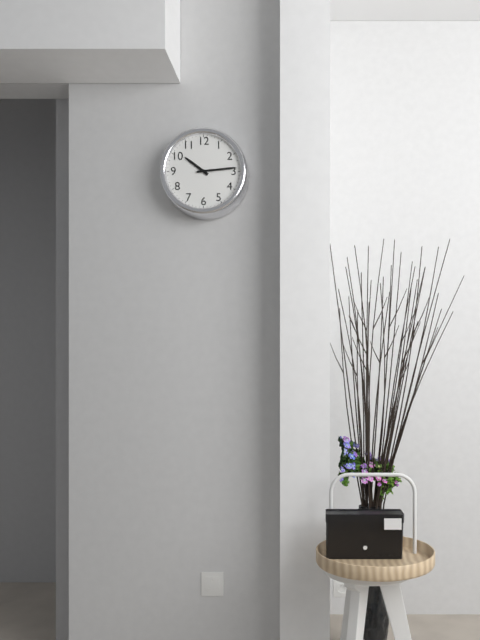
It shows 10,14
